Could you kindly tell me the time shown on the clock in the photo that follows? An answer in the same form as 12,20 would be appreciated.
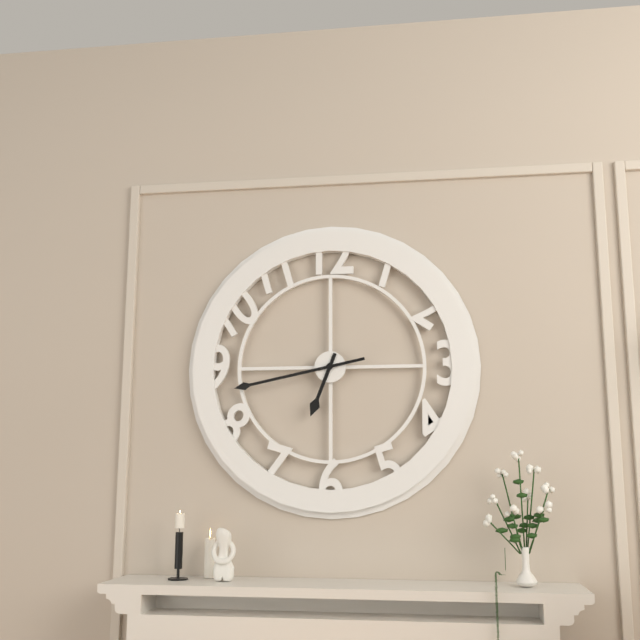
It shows 6,43
